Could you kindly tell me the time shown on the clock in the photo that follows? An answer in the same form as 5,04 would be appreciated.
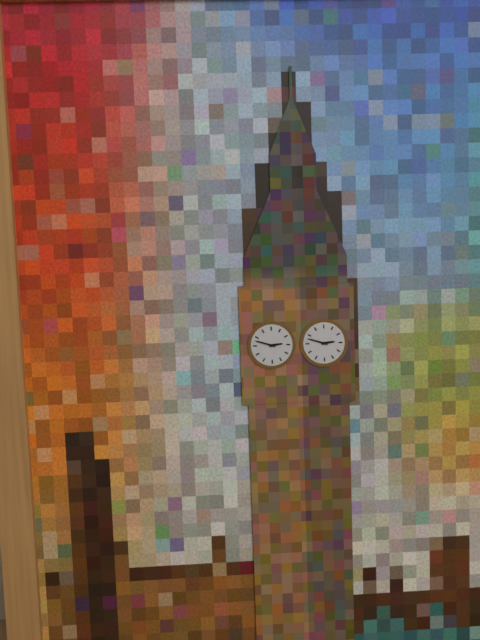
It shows 2,48
